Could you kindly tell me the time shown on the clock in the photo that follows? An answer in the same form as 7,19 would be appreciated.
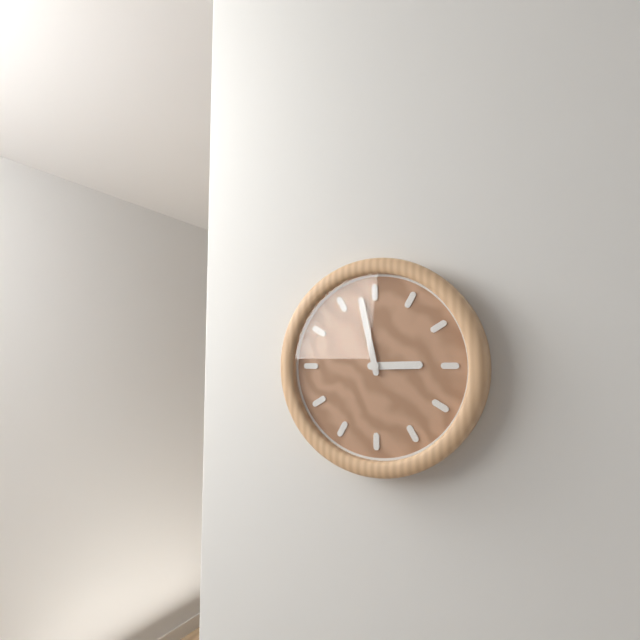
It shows 2,58
